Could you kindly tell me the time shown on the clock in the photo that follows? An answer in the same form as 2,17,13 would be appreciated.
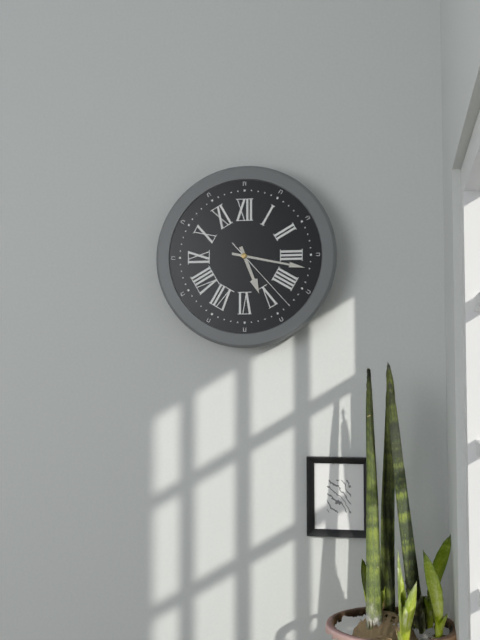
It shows 5,17,23
